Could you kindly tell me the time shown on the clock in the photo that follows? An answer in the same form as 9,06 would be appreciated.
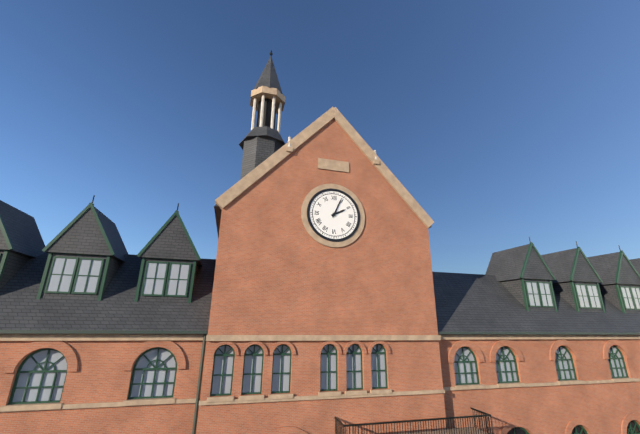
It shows 2,04
